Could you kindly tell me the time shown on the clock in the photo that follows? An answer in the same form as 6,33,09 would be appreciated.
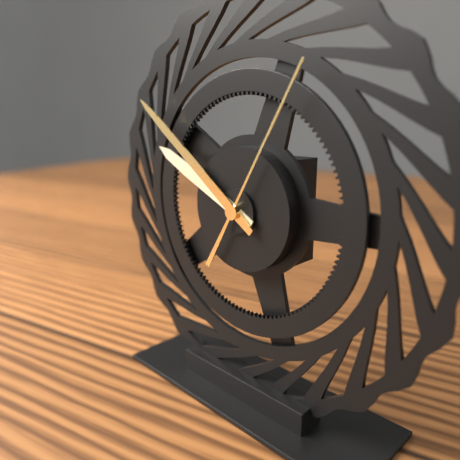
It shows 9,51,05
